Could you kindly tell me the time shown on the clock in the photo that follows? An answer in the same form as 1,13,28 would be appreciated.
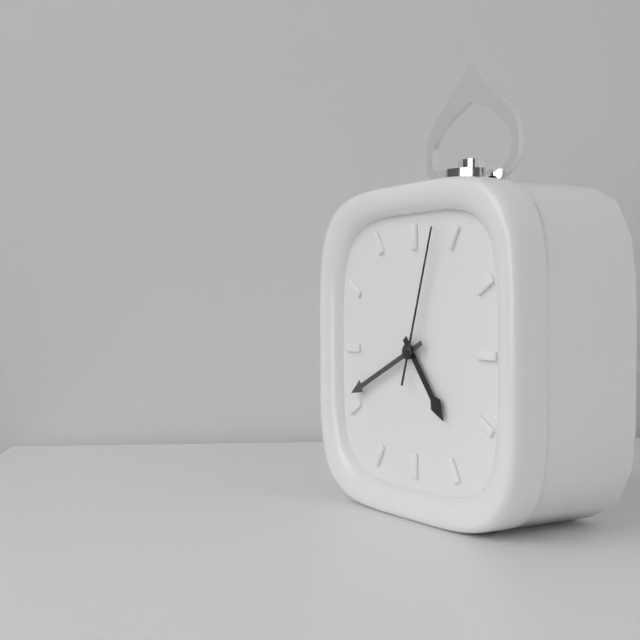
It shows 4,41,03
